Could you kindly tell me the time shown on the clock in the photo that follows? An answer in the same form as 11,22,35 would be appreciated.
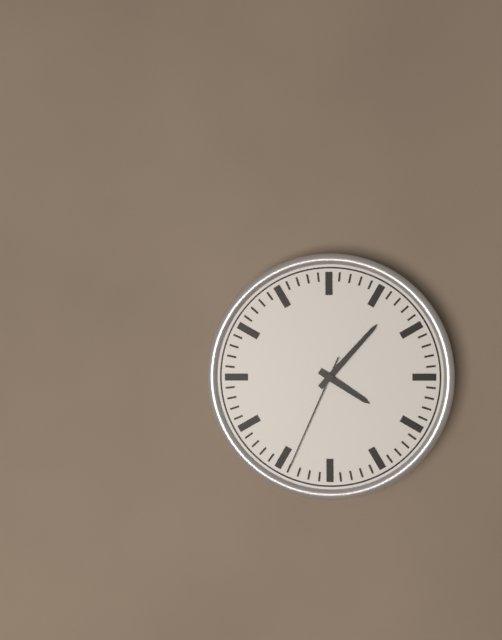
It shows 4,07,34
